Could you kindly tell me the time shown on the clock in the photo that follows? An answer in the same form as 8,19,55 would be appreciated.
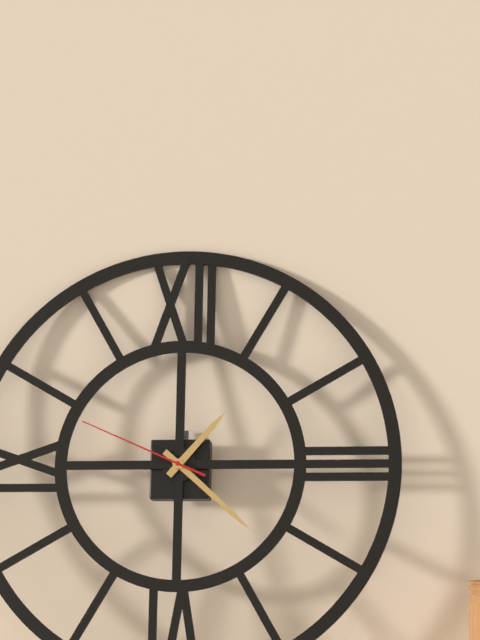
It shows 1,22,49
